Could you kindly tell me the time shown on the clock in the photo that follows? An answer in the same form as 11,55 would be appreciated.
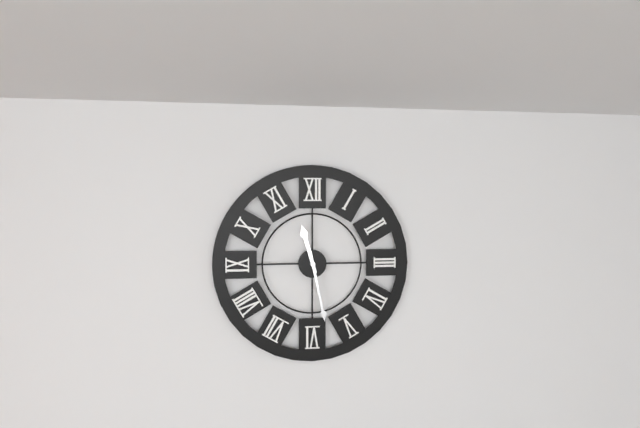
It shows 11,28
